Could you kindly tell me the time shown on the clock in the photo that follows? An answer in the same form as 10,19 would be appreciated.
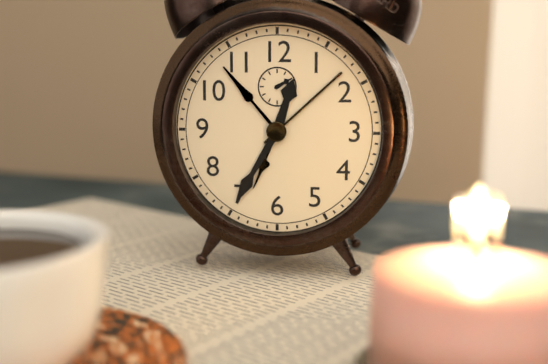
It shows 12,35
